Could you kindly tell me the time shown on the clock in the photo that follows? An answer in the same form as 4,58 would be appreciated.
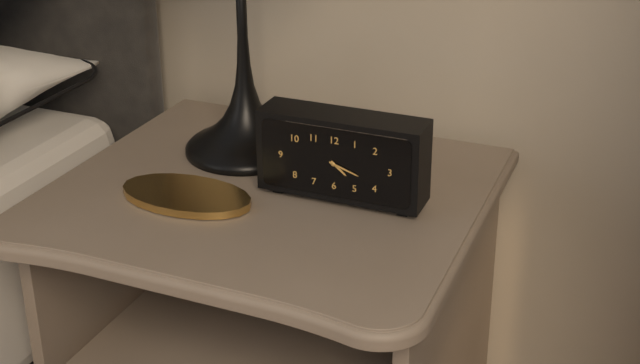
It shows 4,18
